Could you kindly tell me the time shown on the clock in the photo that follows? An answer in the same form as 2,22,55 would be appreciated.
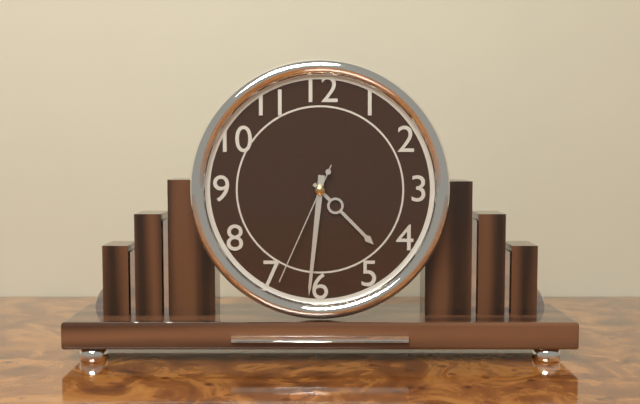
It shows 4,31,34
